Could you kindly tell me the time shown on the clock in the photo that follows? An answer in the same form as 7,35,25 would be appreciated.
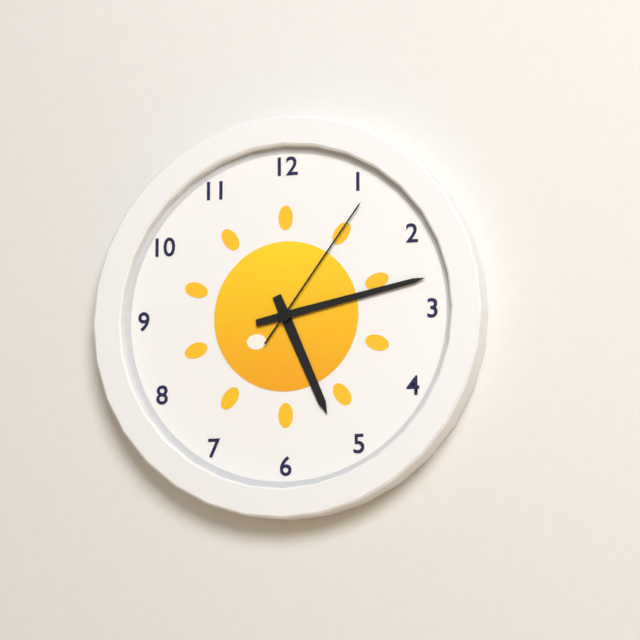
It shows 5,13,06
